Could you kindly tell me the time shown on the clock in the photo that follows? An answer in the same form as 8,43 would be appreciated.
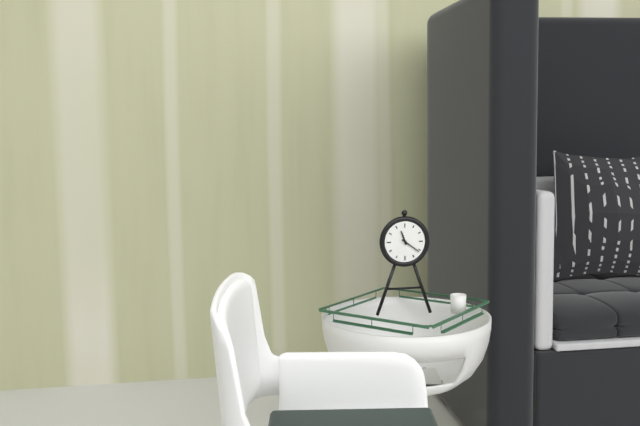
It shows 11,21
